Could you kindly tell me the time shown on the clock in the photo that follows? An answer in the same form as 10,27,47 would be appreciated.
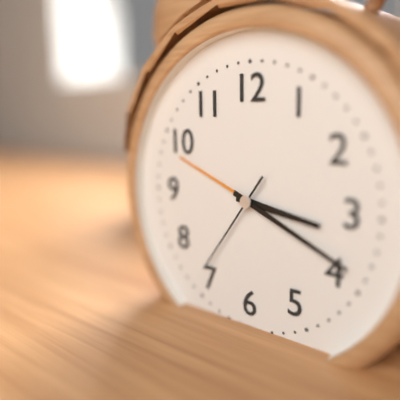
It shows 3,19,36
